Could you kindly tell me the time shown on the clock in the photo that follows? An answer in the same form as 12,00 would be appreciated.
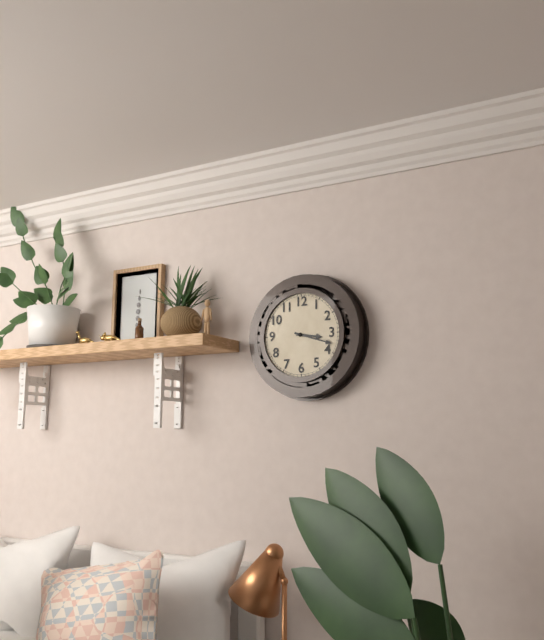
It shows 3,18
